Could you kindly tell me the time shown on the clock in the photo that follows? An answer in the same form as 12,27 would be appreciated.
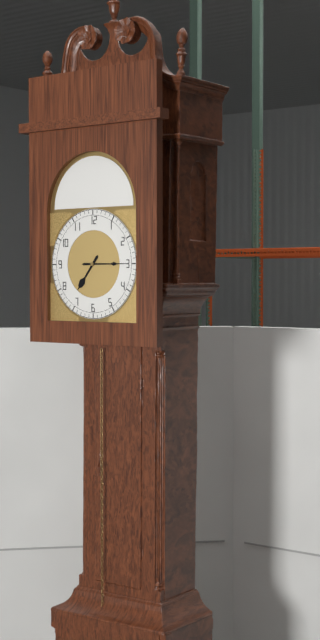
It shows 7,15
